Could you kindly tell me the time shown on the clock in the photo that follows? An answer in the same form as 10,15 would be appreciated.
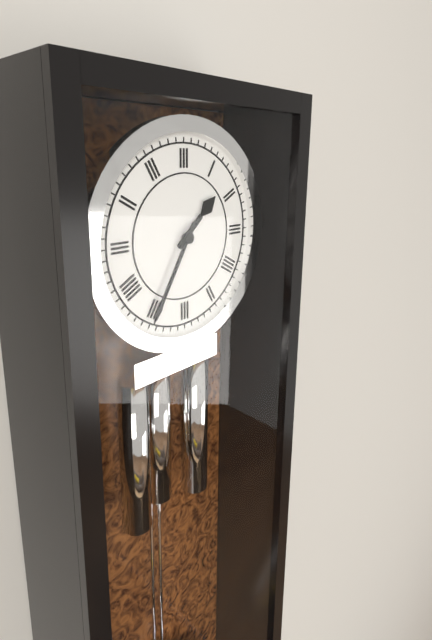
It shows 1,35
